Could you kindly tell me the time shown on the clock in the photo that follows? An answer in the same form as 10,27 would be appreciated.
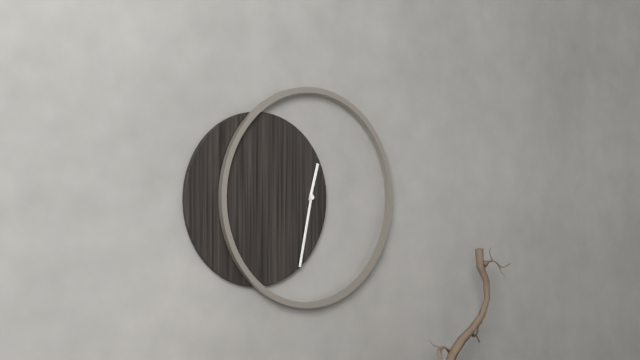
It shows 12,32
